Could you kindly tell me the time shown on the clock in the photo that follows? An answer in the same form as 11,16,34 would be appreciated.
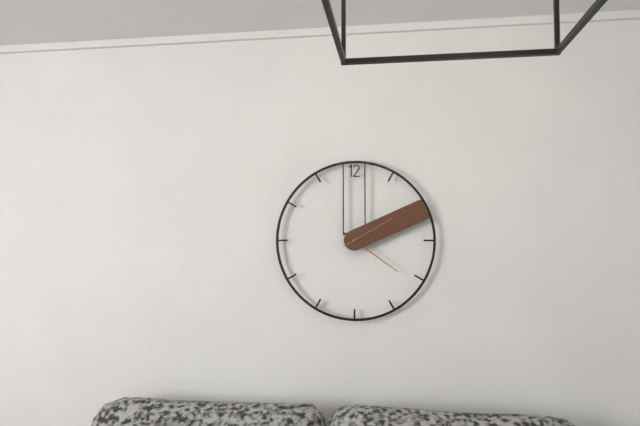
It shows 4,11,10
